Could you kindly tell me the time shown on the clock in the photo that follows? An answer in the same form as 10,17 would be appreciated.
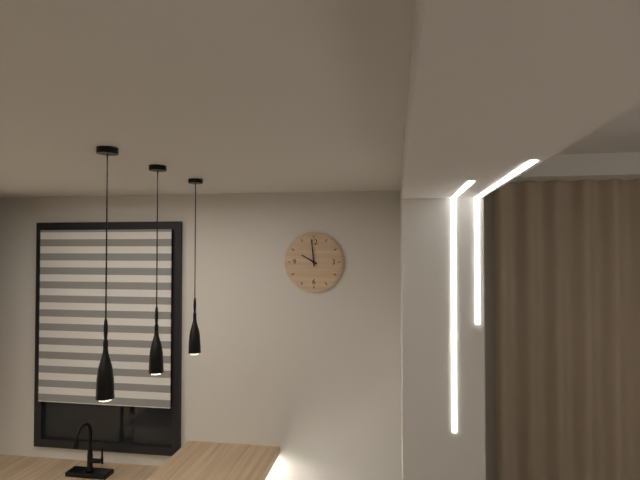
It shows 9,59
